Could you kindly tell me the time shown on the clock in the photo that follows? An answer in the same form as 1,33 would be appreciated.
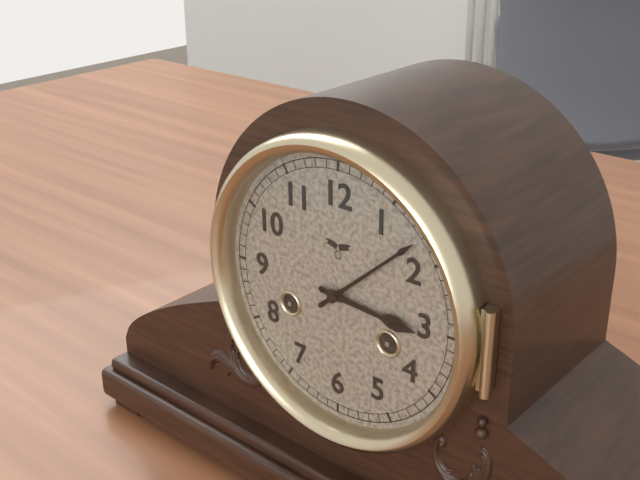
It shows 3,08
